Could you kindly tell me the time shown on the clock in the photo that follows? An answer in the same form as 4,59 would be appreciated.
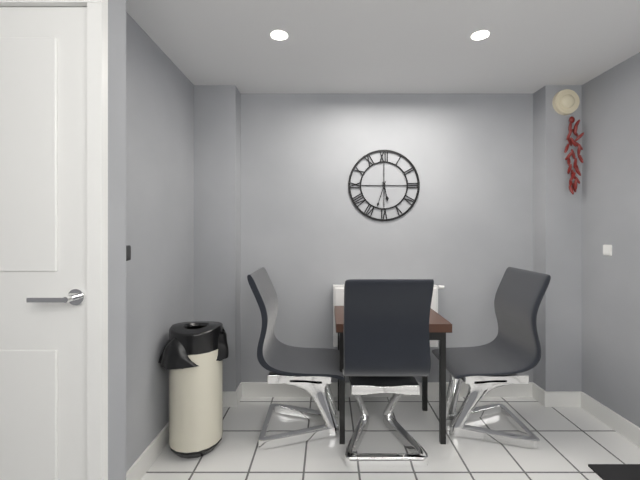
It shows 5,33
